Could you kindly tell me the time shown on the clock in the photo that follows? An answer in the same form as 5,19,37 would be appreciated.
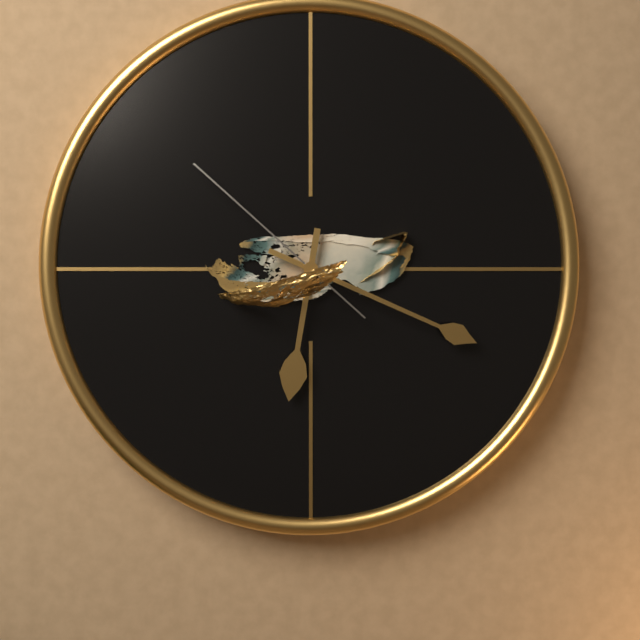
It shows 6,19,52
